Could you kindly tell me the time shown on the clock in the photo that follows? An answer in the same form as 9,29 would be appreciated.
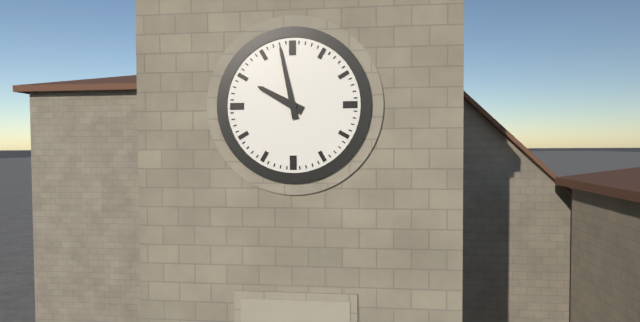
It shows 9,58
